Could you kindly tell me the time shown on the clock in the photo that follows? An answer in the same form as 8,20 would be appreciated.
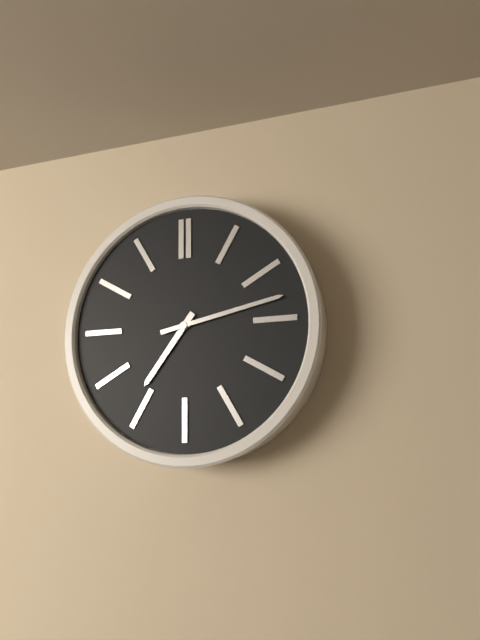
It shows 7,13
